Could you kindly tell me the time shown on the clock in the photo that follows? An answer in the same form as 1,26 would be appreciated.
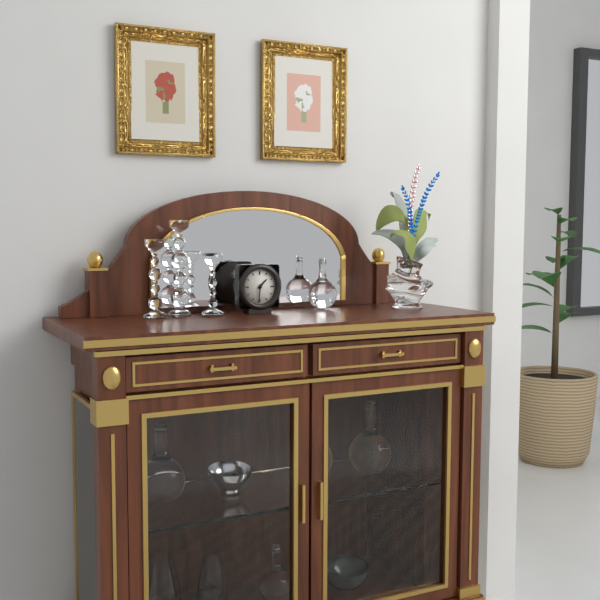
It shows 1,31
